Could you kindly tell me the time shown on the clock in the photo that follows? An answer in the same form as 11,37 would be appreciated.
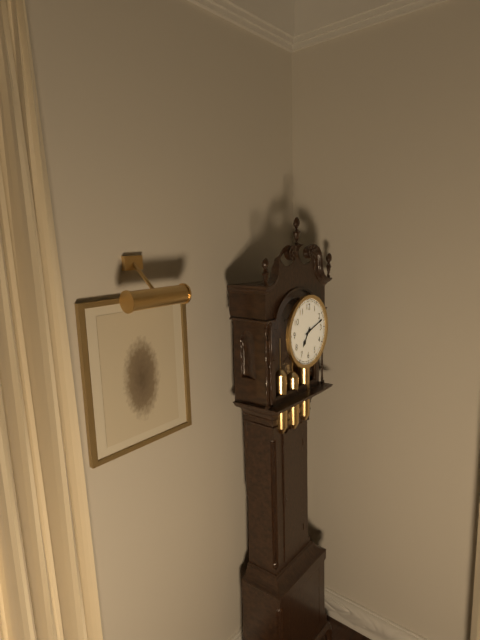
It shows 7,12
